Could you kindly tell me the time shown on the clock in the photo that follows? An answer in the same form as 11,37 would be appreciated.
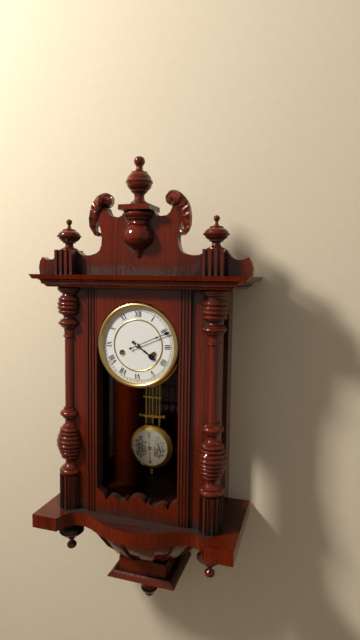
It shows 4,11
